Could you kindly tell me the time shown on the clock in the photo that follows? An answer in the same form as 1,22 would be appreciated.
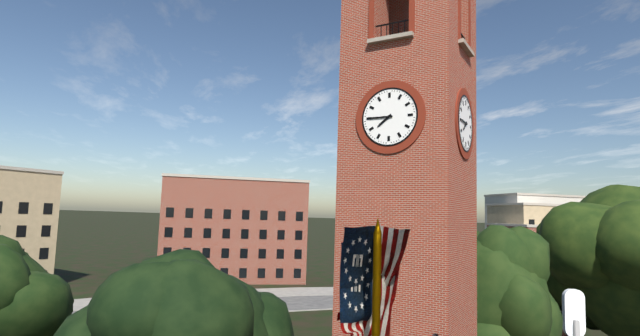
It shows 7,45
